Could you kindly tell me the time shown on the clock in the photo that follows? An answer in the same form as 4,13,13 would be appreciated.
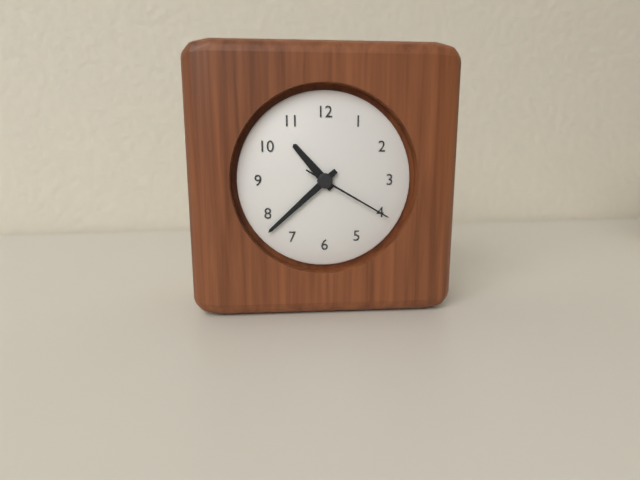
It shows 10,38,20
